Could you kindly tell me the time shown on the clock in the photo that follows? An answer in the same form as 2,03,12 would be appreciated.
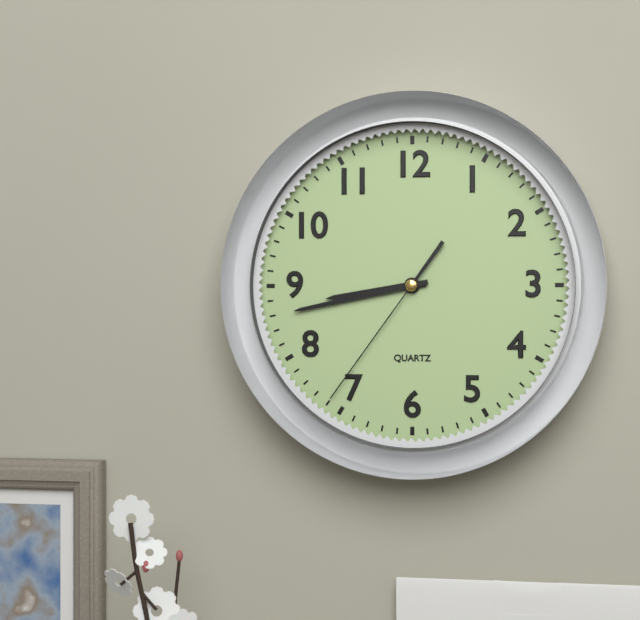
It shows 8,43,36
